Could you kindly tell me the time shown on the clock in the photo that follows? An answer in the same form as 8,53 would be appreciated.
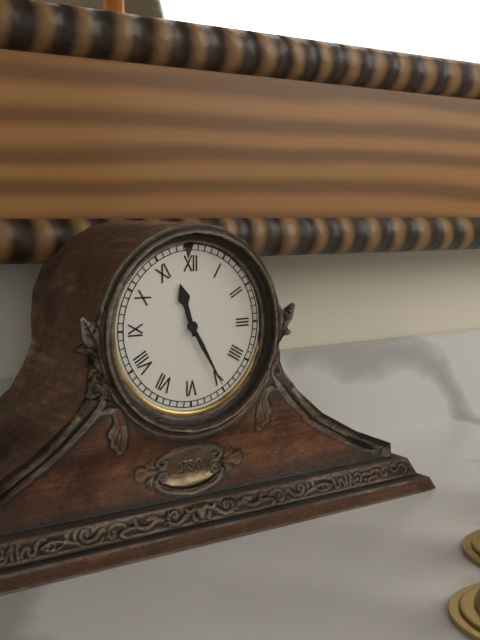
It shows 11,25
